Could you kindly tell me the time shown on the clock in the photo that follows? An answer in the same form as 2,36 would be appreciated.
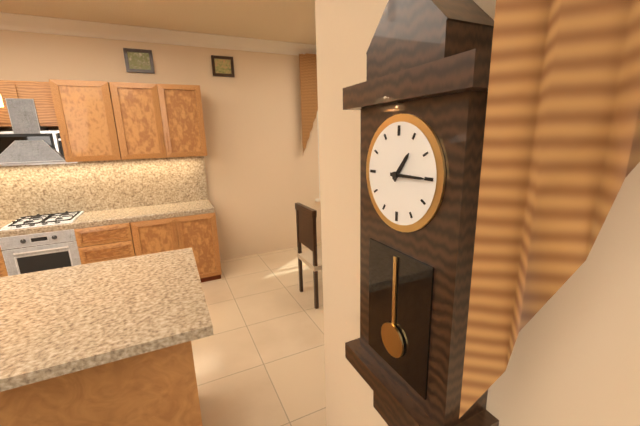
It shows 1,15
